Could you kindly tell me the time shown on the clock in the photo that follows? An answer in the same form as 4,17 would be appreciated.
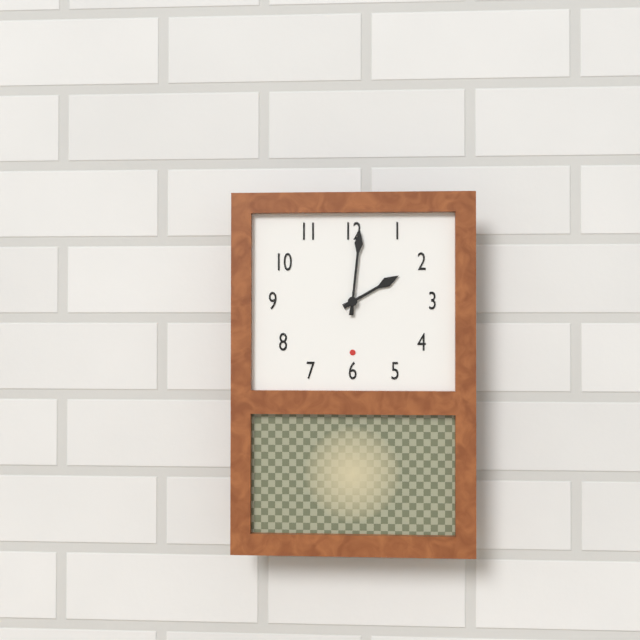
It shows 2,01
